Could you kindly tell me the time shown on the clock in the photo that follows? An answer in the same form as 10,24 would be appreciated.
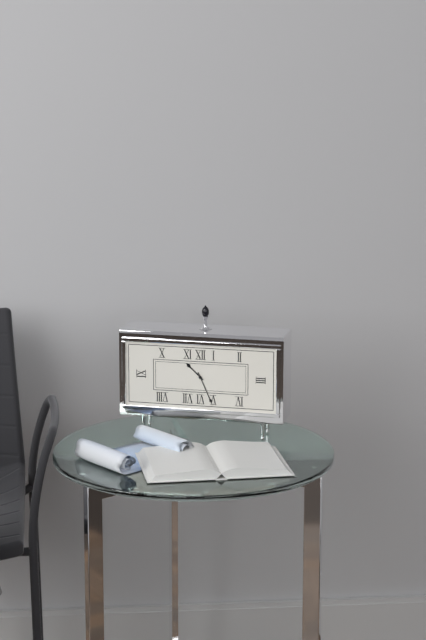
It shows 10,26
